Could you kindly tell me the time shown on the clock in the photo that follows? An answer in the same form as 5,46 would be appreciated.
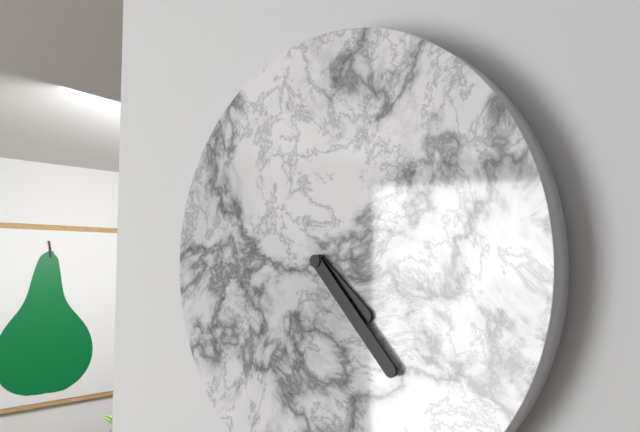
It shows 4,23
